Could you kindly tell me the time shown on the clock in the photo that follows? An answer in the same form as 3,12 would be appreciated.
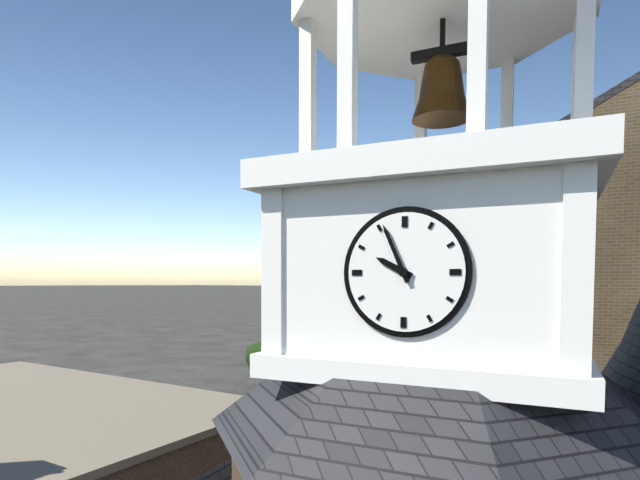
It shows 9,56
